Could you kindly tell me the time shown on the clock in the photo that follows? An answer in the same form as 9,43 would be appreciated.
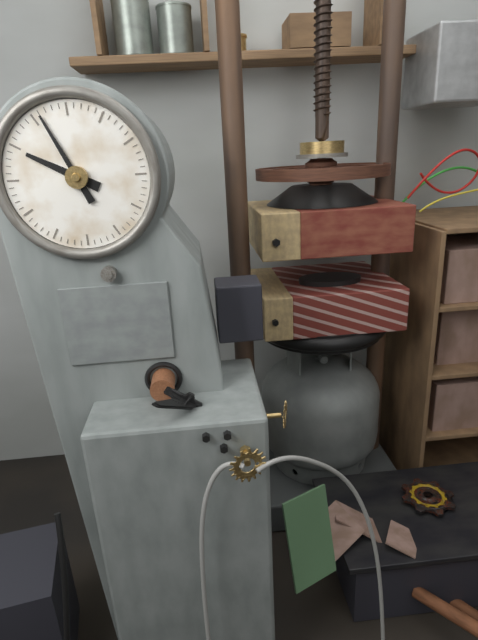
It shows 9,56
